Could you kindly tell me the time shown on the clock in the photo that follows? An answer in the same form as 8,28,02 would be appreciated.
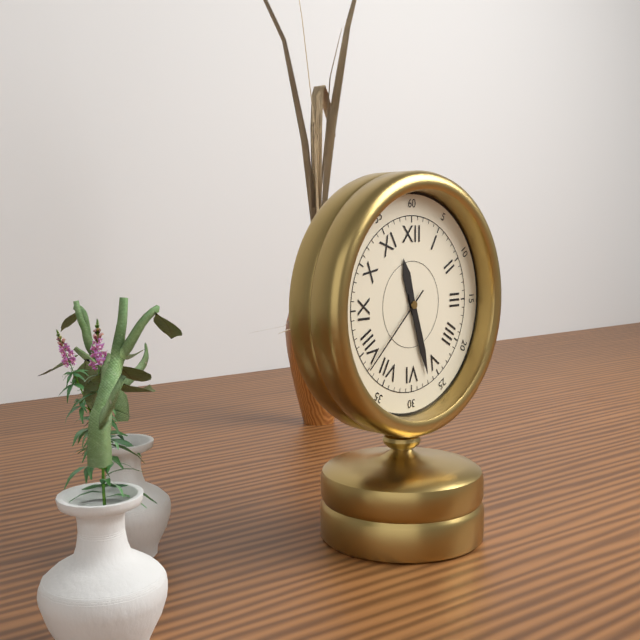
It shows 11,27,38
